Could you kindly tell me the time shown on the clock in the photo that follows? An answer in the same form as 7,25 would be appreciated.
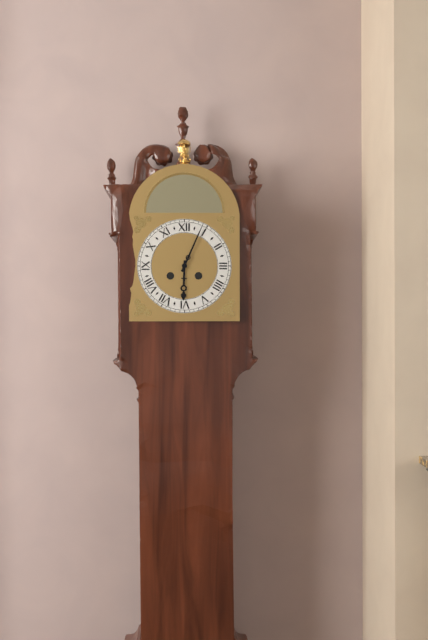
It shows 6,04
